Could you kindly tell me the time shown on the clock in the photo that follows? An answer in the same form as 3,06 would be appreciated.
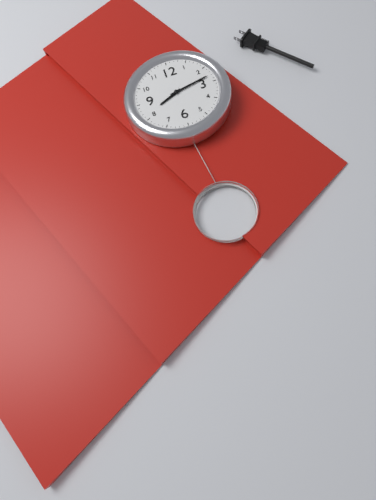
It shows 8,13
